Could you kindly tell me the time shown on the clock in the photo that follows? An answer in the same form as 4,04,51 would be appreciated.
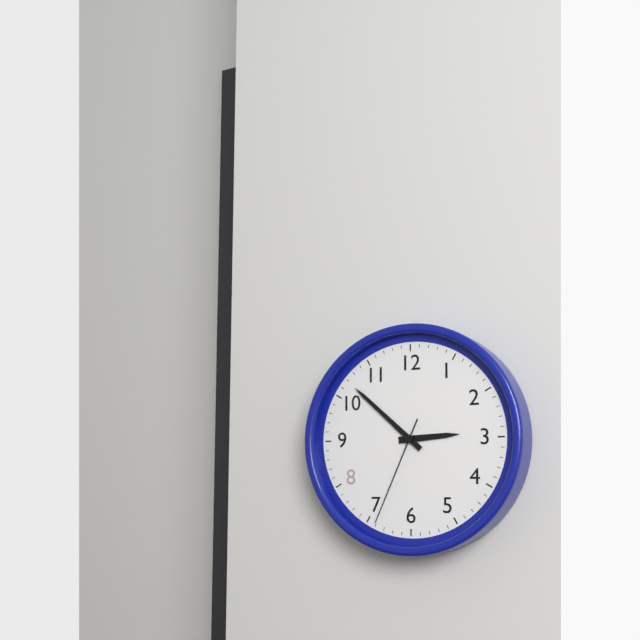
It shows 2,52,34
